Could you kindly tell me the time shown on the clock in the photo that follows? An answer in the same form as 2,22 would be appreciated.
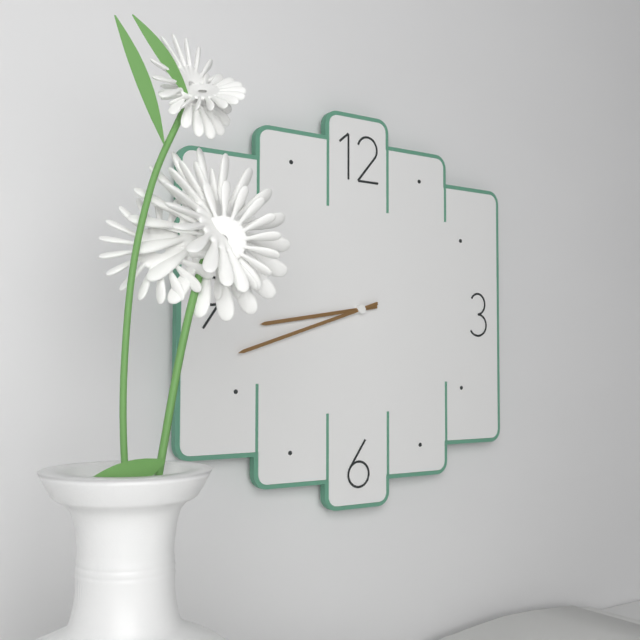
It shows 8,42
